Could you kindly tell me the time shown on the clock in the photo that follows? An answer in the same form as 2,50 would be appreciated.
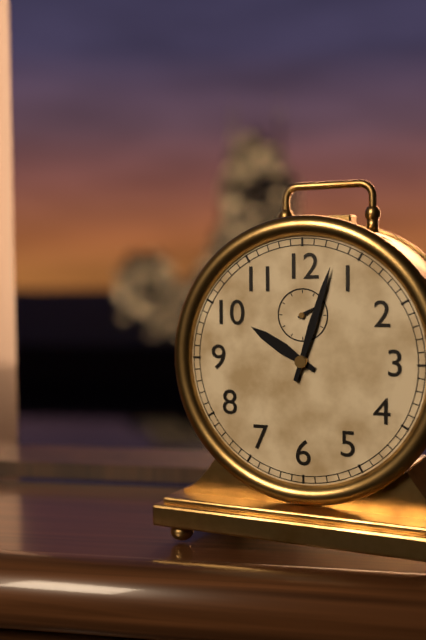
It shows 10,03
